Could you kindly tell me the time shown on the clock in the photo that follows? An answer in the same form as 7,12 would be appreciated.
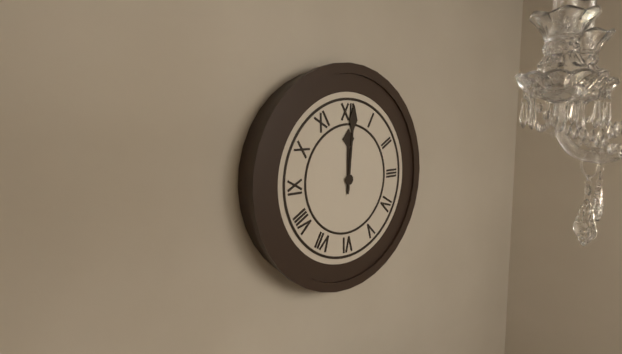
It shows 12,01
